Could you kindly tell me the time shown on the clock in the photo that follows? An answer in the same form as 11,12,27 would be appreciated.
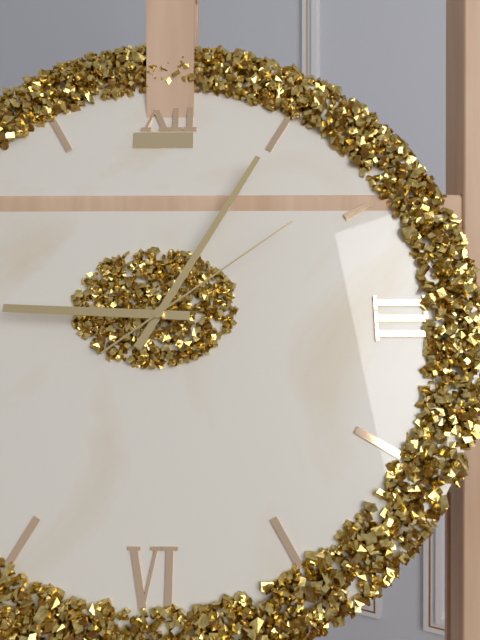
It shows 9,05,09
